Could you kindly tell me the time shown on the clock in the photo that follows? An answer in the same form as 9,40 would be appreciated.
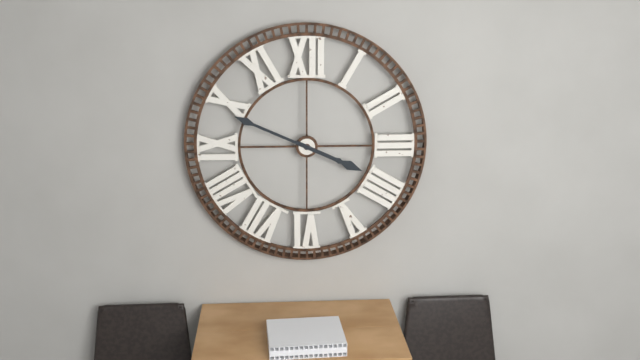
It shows 3,49
